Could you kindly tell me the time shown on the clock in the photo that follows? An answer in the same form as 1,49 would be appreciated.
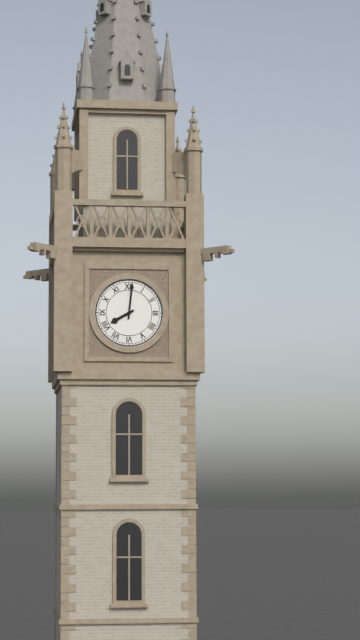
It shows 8,01
